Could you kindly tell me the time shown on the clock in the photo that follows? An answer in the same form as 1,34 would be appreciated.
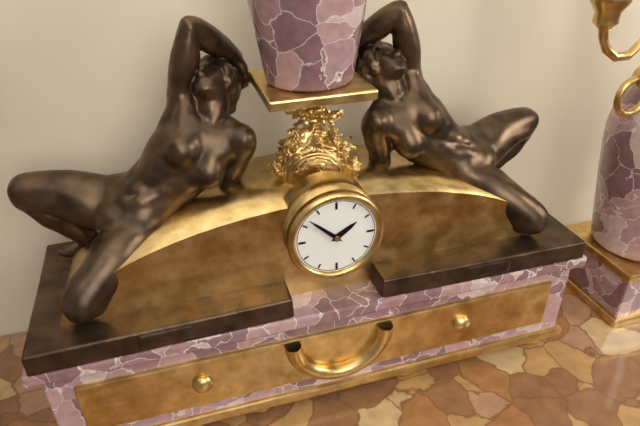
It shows 1,52
